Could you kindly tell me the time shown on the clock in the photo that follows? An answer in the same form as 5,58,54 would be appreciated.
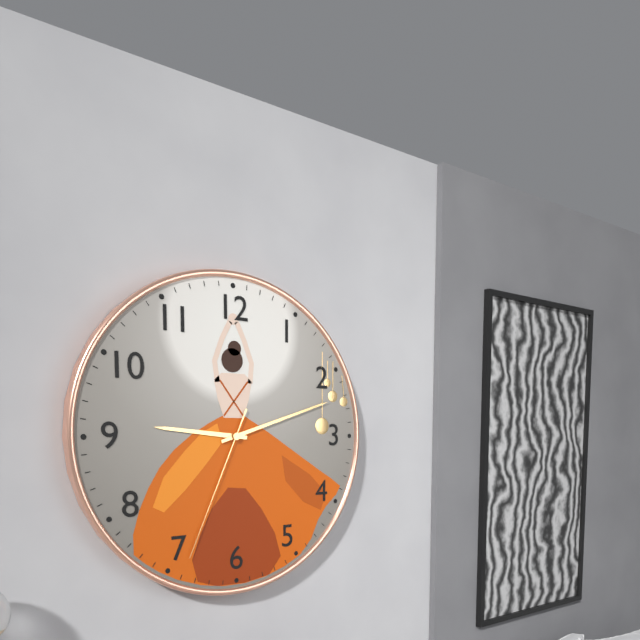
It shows 9,12,34
